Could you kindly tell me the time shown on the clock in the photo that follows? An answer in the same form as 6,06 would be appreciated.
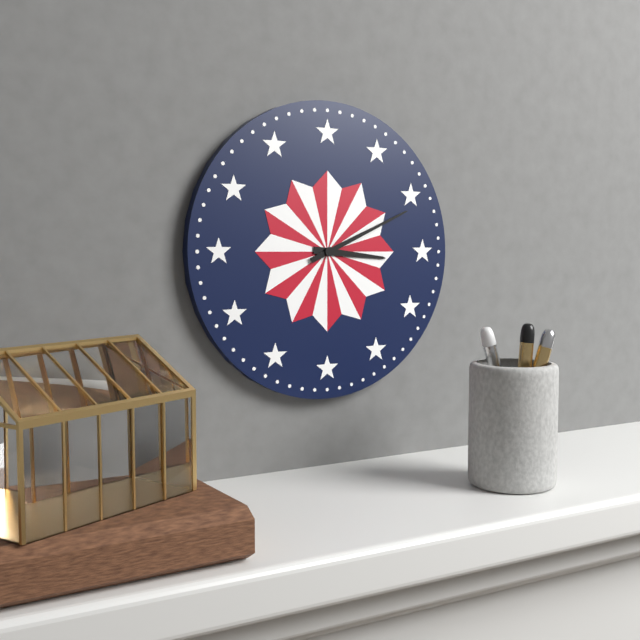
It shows 3,11
